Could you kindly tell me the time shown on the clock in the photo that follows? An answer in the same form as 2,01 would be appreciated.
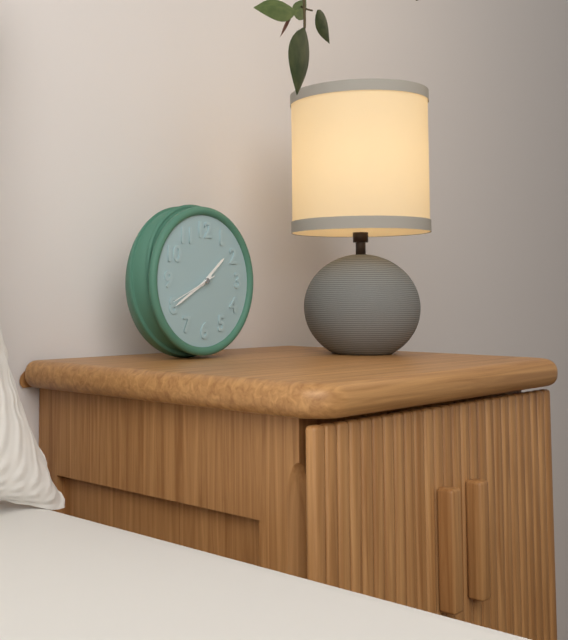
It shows 1,40
